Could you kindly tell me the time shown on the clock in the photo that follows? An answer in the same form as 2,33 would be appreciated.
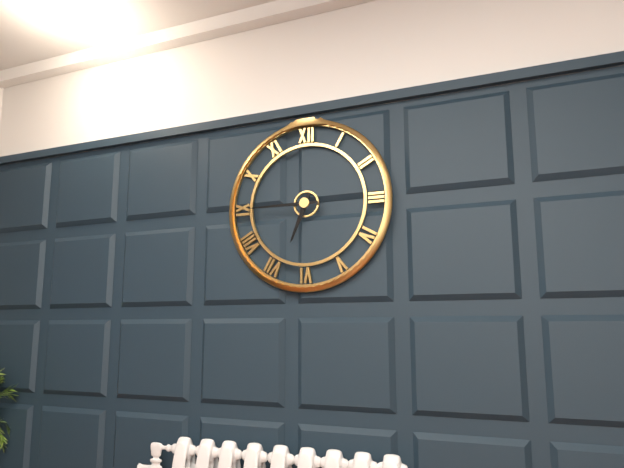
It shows 6,45
